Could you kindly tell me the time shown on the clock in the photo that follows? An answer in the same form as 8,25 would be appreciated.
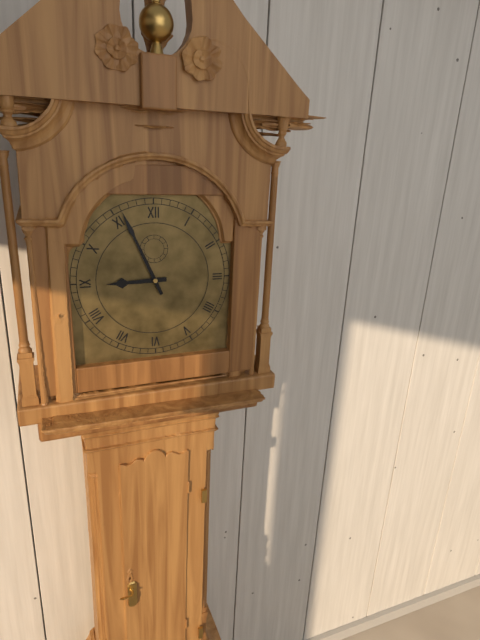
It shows 8,56
